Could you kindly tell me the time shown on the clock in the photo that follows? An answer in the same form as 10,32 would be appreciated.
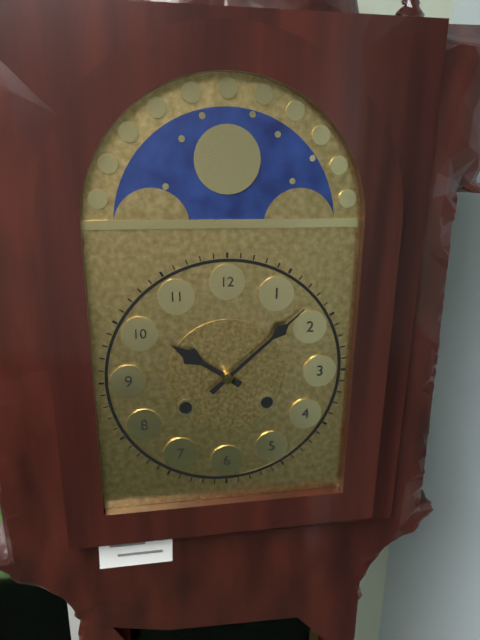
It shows 10,08
